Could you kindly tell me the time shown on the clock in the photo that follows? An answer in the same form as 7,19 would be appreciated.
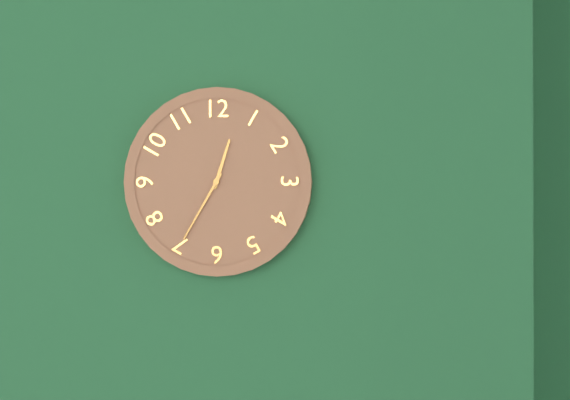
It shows 12,35
